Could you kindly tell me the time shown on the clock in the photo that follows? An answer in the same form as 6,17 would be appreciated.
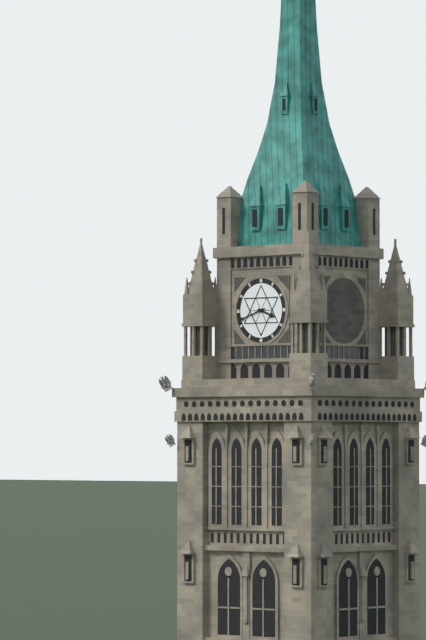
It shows 3,42
